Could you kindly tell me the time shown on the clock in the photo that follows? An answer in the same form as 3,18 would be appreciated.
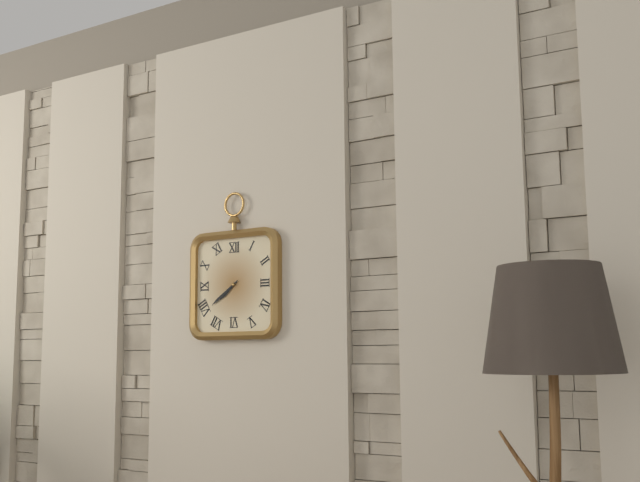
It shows 7,39
